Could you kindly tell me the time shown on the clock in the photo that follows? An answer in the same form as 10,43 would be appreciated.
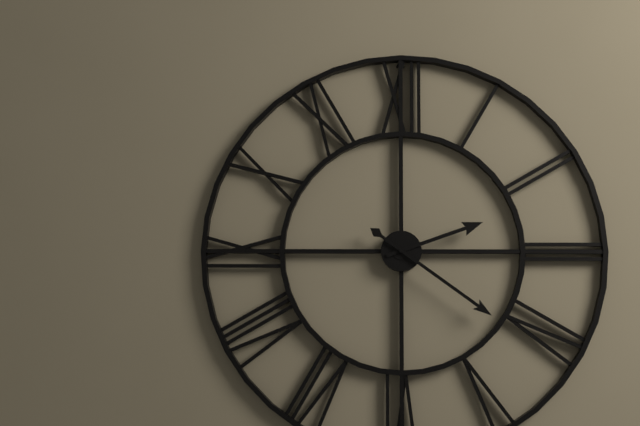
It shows 2,21
